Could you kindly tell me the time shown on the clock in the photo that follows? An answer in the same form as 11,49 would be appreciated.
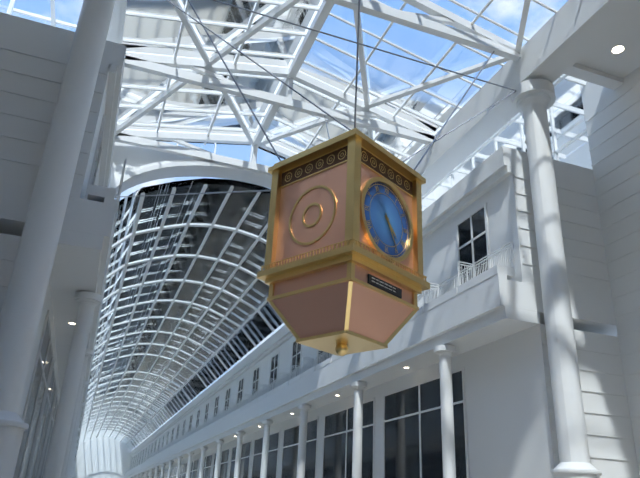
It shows 4,25
